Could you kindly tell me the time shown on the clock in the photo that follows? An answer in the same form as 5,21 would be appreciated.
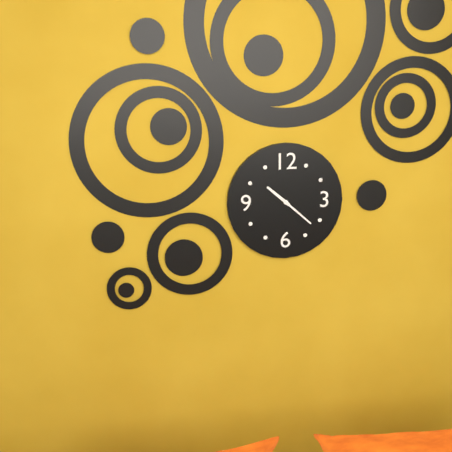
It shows 10,22
